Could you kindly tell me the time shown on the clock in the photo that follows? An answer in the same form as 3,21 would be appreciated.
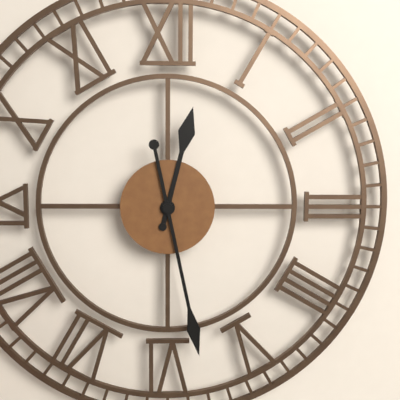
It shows 12,28
